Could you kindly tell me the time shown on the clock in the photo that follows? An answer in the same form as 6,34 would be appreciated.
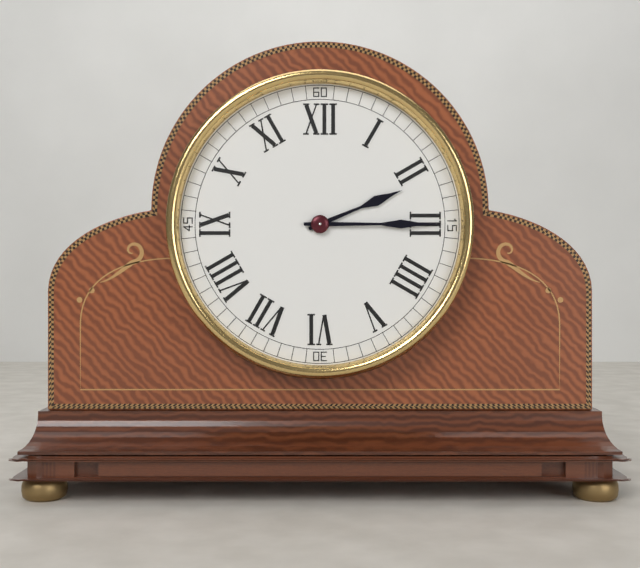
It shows 2,15
